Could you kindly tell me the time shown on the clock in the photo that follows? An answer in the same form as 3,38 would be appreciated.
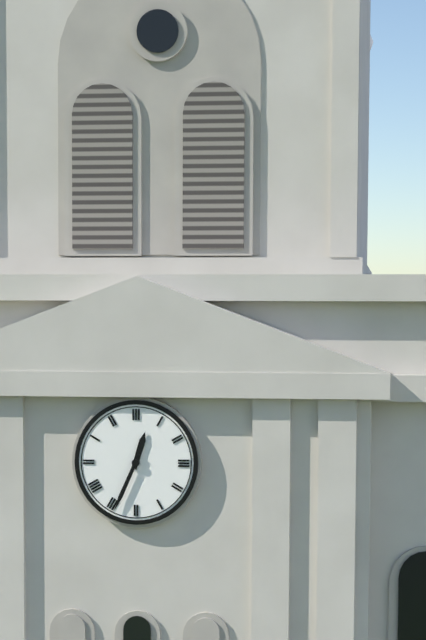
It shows 12,34
